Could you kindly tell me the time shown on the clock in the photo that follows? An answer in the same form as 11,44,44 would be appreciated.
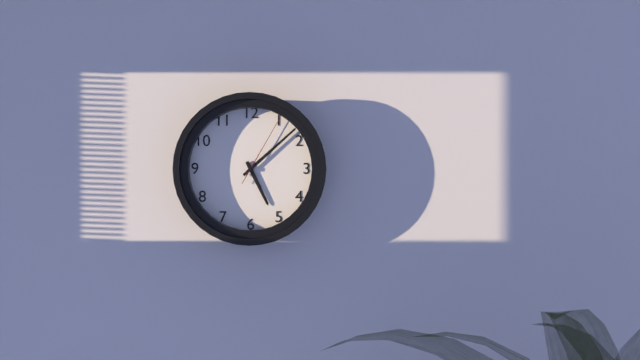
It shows 5,08,05
